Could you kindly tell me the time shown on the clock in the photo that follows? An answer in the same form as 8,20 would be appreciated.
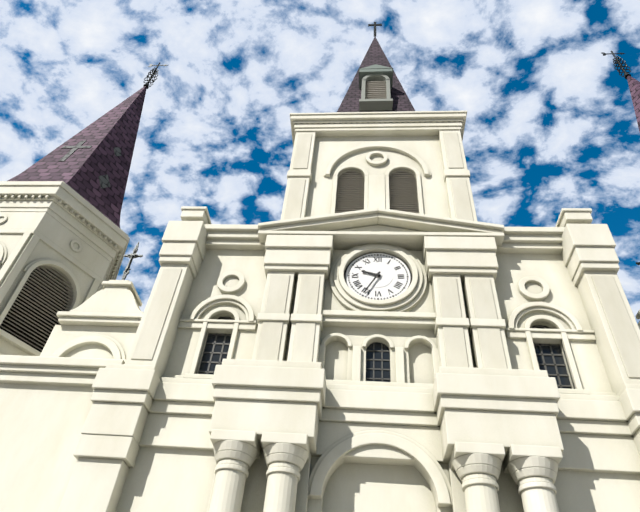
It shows 9,35
